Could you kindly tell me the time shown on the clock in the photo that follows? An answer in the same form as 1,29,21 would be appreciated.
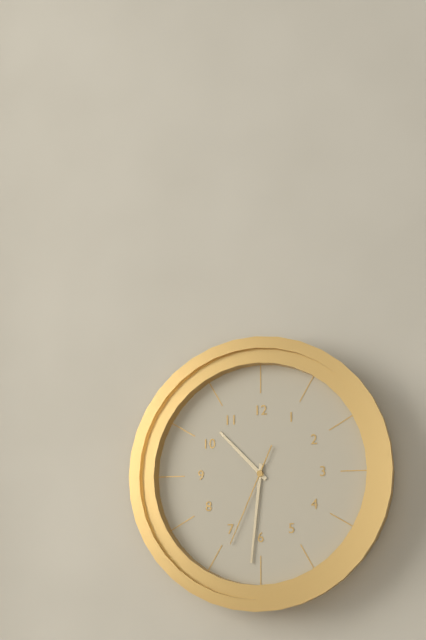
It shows 10,31,34
